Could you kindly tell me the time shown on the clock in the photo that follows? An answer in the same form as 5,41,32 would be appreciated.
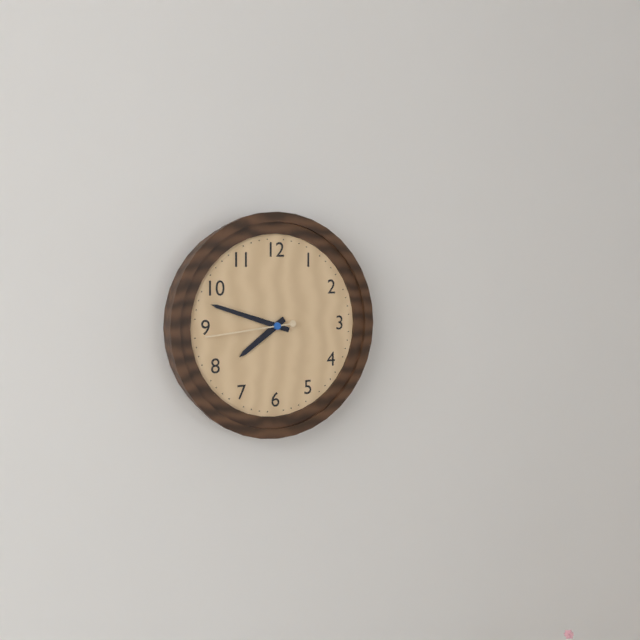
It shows 7,48,44
